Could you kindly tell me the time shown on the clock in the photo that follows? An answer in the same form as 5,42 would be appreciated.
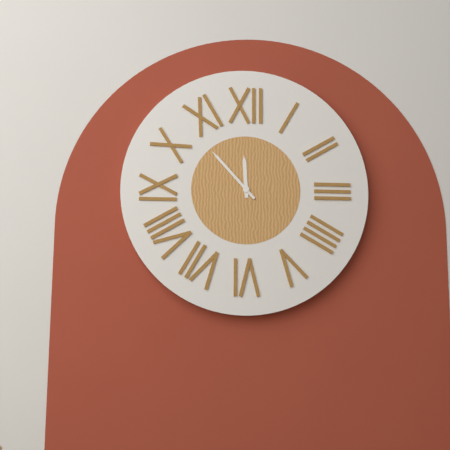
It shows 11,53
